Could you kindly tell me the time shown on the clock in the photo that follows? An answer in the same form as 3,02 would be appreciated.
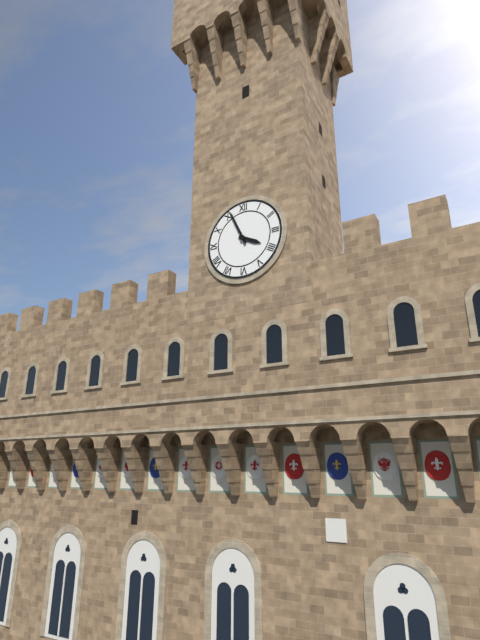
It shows 3,56
